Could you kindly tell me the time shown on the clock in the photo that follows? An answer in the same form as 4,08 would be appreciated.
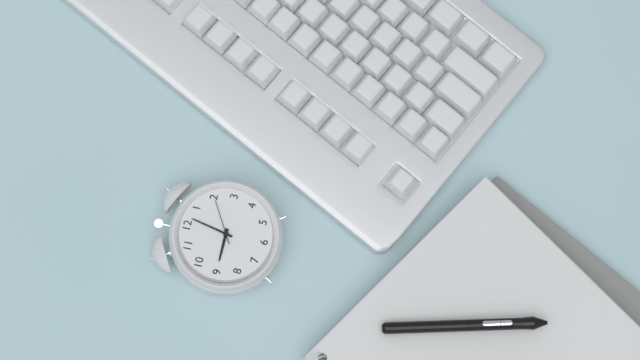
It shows 9,02
